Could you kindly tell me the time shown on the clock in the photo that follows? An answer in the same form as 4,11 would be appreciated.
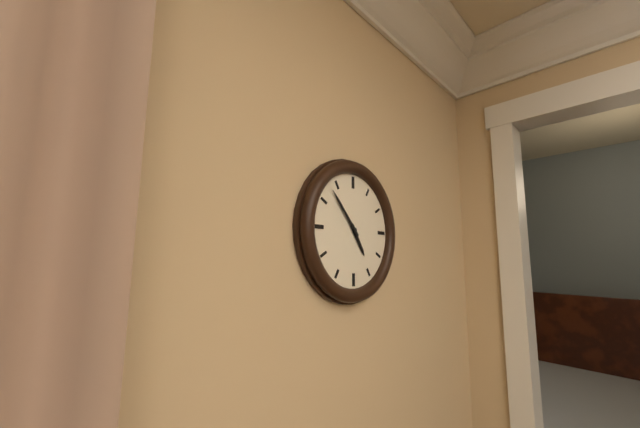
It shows 4,53
